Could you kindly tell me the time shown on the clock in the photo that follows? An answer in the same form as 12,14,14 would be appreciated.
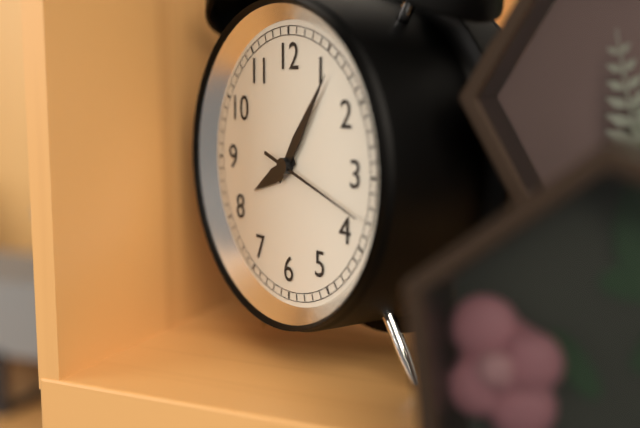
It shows 8,06,18
